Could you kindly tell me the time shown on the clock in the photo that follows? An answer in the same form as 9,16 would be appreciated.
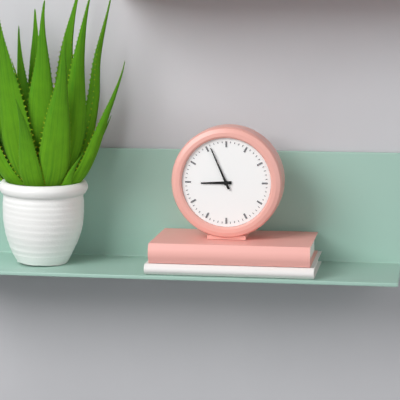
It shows 8,56
